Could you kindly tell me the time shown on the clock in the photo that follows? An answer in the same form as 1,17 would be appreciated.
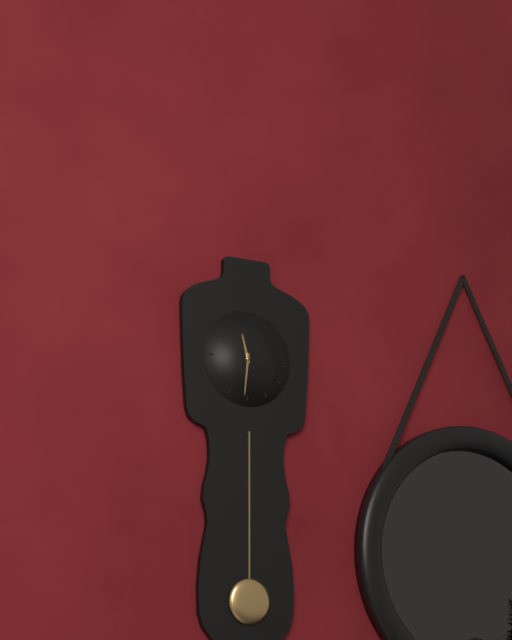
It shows 11,31
